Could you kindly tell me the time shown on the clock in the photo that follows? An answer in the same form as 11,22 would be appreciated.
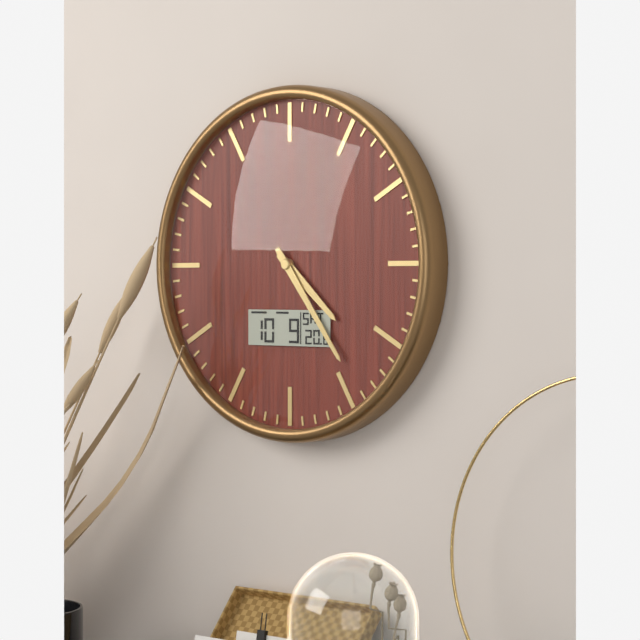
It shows 4,24
